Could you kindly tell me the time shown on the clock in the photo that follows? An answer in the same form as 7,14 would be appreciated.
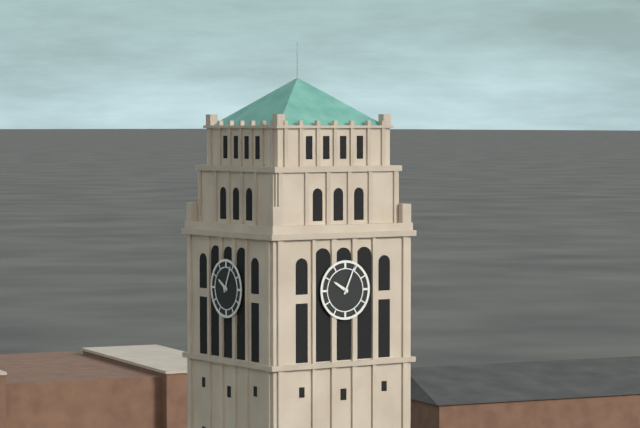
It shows 10,04
